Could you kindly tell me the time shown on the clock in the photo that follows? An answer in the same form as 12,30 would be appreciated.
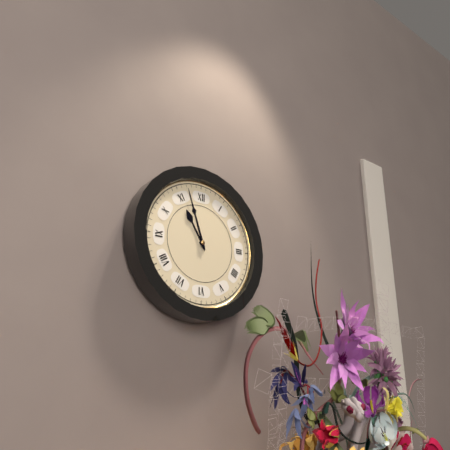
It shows 10,57
